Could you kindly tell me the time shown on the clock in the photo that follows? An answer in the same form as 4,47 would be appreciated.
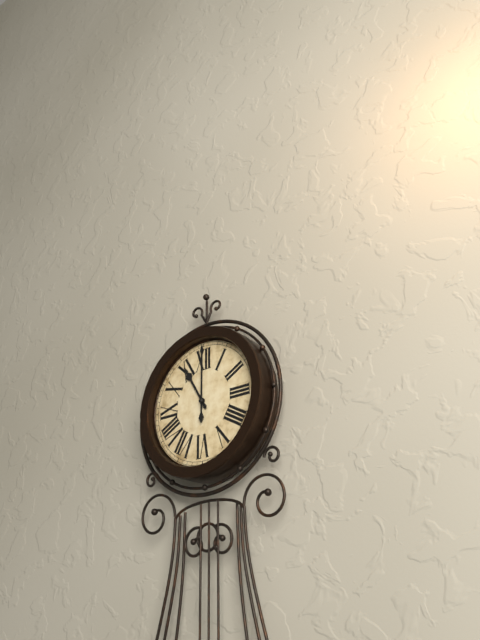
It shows 11,00
